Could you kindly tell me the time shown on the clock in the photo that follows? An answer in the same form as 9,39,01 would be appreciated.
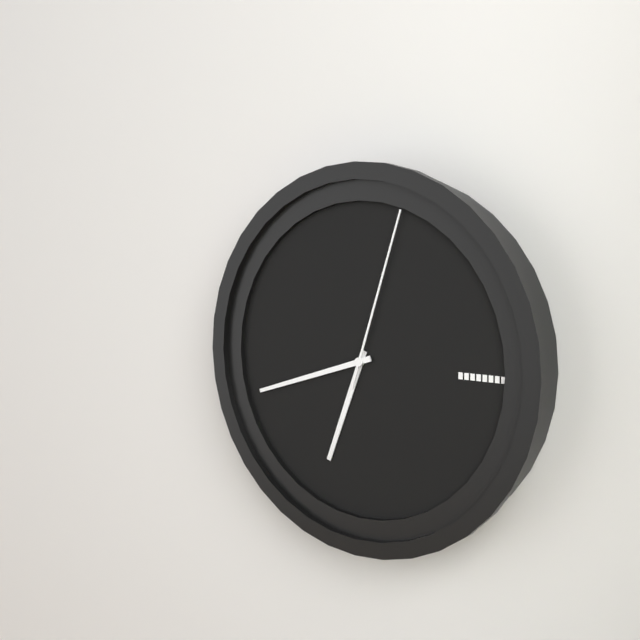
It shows 6,42,03
